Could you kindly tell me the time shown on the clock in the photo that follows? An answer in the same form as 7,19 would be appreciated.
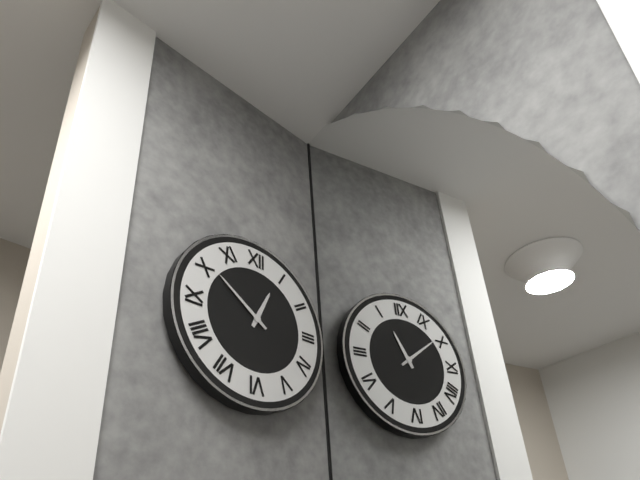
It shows 12,51
